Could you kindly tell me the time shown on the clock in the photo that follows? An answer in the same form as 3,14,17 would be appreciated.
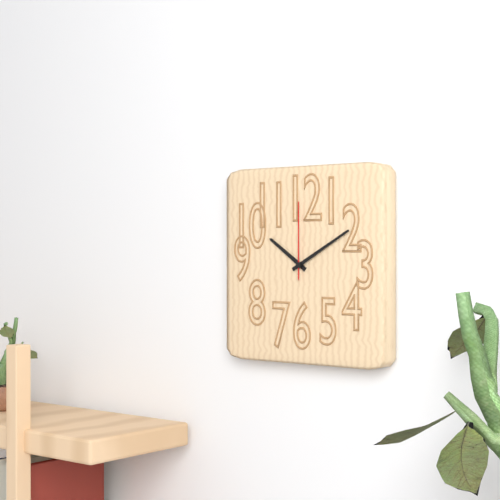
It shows 10,10,00
